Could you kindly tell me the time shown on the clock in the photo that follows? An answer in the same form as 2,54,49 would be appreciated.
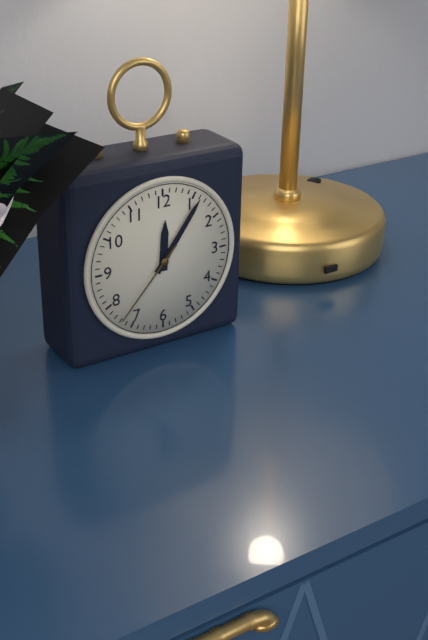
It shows 12,06,37
